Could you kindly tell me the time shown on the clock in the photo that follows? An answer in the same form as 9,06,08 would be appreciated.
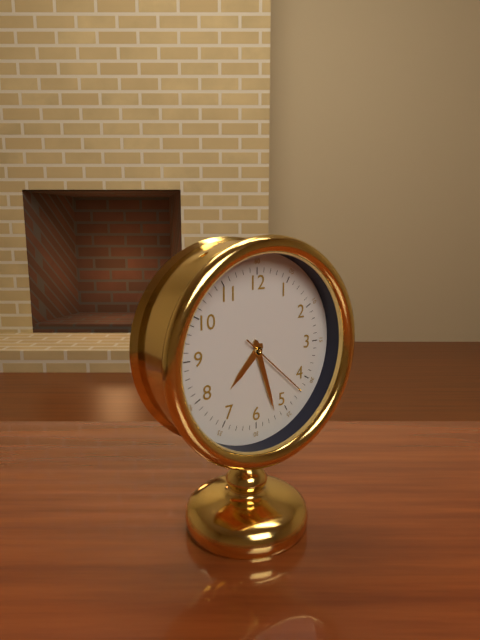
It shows 7,27,22
